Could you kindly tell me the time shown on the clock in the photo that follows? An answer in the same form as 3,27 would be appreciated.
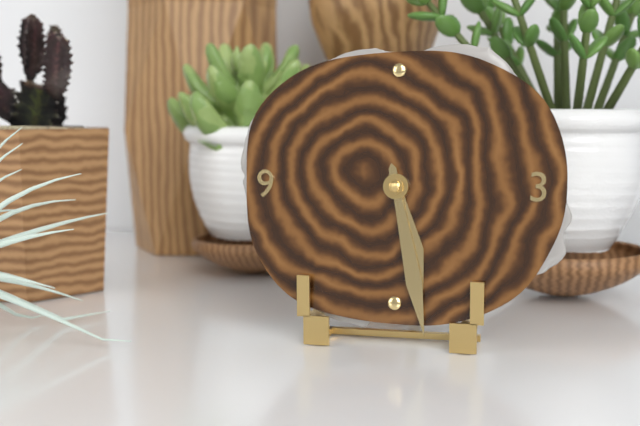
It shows 5,28
